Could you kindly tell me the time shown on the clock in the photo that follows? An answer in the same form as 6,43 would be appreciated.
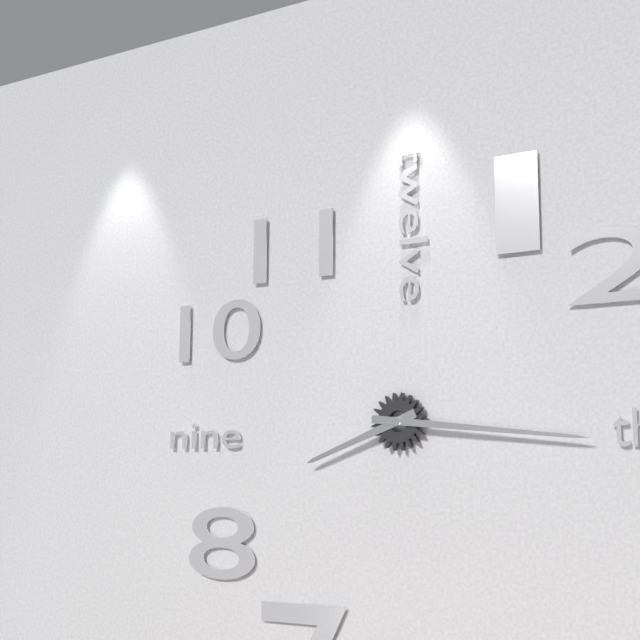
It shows 8,16
